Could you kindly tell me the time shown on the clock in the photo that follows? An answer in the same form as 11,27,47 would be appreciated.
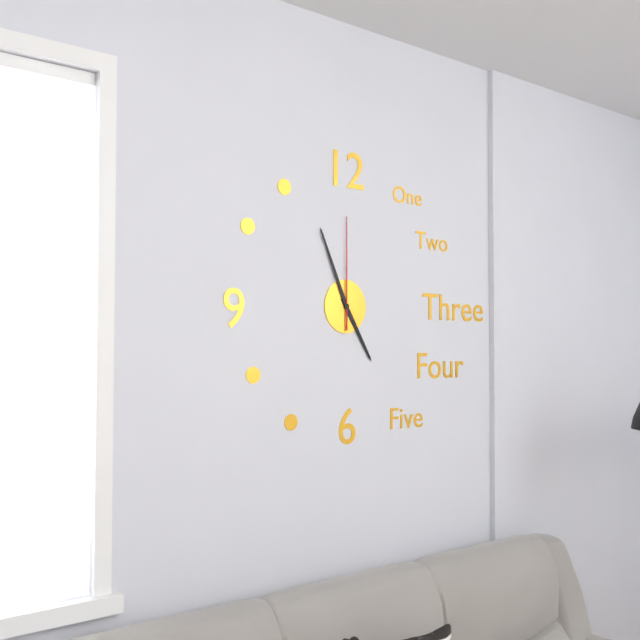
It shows 4,56,00
